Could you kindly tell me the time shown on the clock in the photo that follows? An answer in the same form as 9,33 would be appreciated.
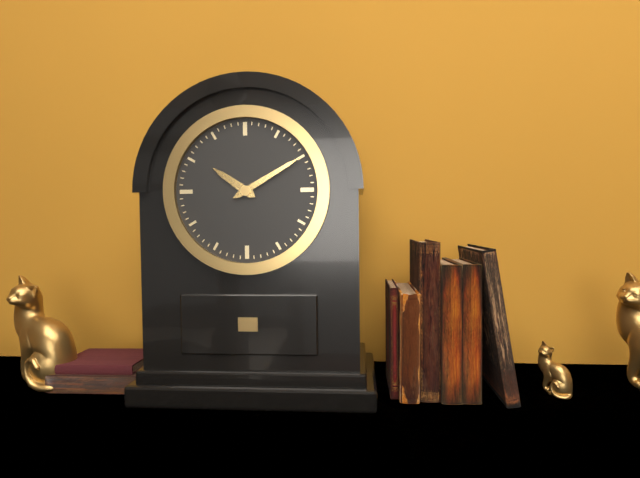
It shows 10,10
